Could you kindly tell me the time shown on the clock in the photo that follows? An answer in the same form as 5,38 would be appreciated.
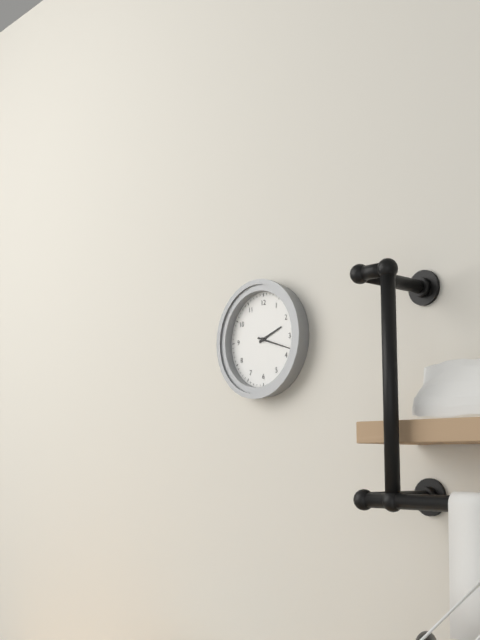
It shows 2,18
